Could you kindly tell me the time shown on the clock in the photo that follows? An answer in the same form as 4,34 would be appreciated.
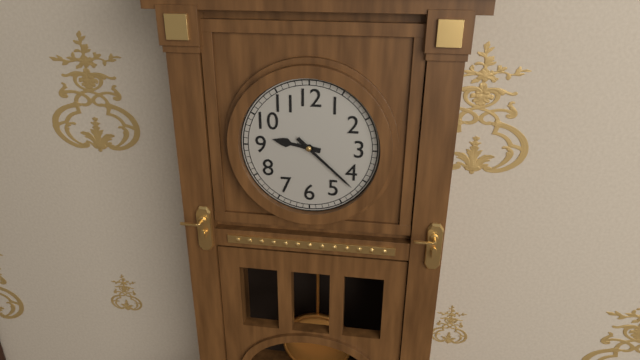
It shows 9,22
